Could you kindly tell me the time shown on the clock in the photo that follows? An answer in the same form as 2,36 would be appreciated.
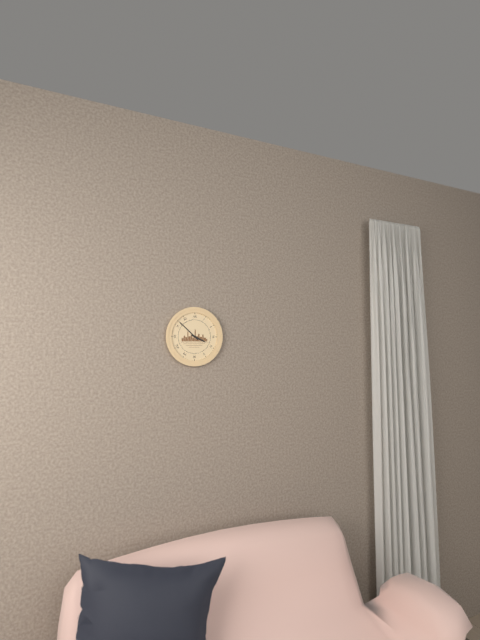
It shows 3,52
